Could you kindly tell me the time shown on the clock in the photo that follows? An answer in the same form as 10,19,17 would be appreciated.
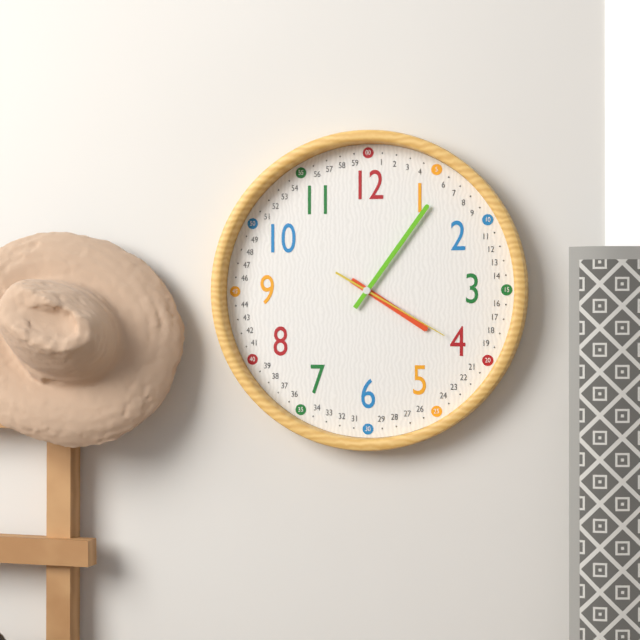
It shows 4,06,20
